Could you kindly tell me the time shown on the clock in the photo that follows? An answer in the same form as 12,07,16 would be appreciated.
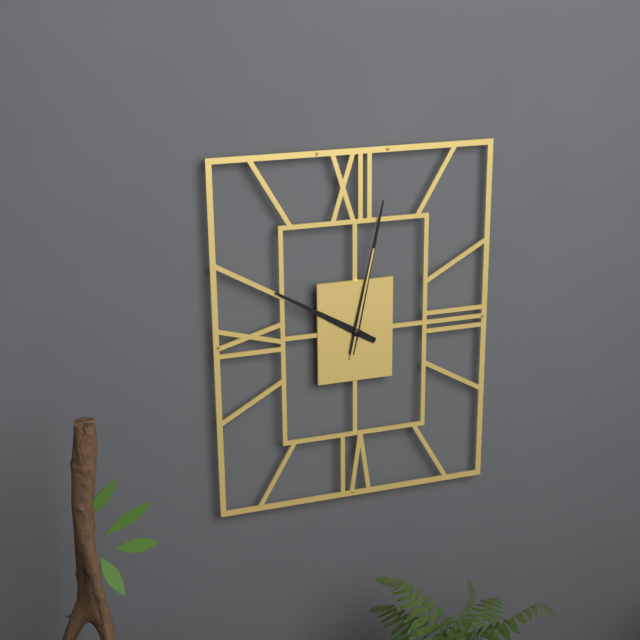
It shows 10,02,02
